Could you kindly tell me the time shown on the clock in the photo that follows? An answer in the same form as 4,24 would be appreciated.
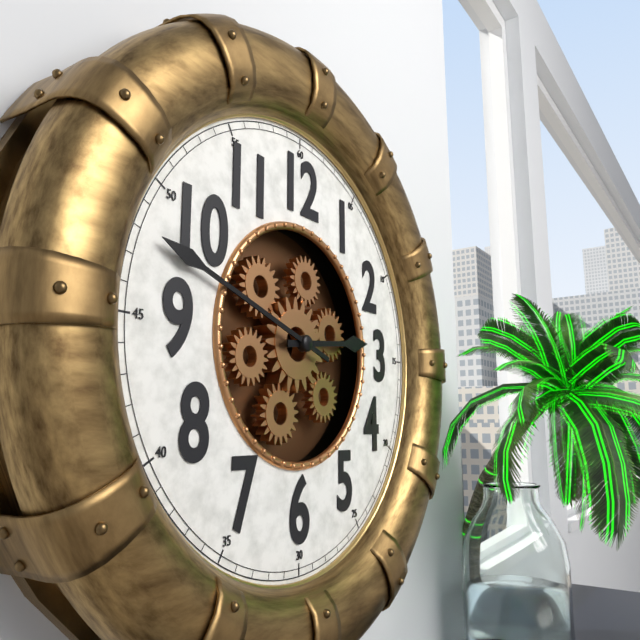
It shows 2,48
